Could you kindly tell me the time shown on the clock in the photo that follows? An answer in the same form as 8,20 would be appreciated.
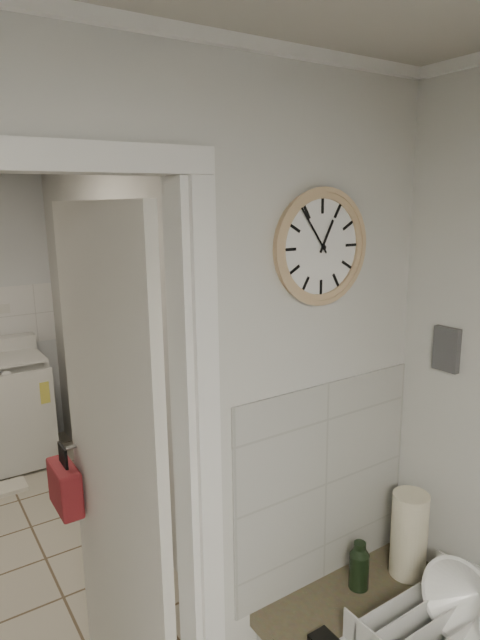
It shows 12,54
